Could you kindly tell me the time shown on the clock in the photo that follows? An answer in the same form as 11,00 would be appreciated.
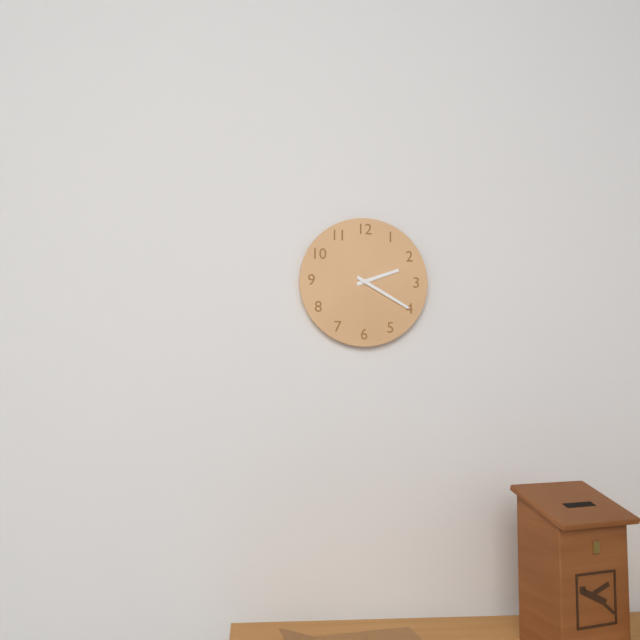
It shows 2,20
